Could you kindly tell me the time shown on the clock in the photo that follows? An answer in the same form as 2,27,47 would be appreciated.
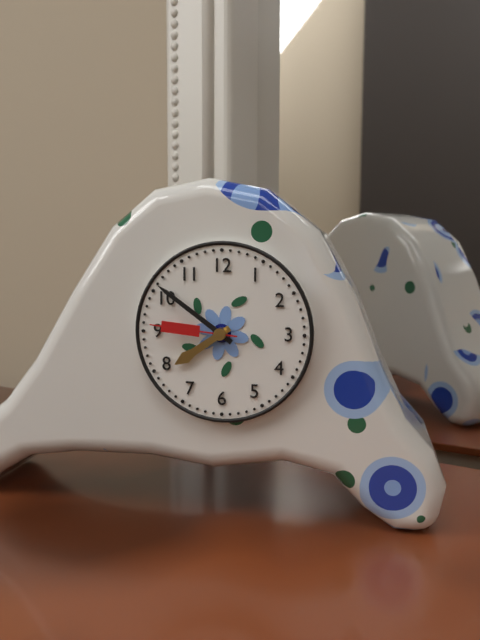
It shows 7,51,46
